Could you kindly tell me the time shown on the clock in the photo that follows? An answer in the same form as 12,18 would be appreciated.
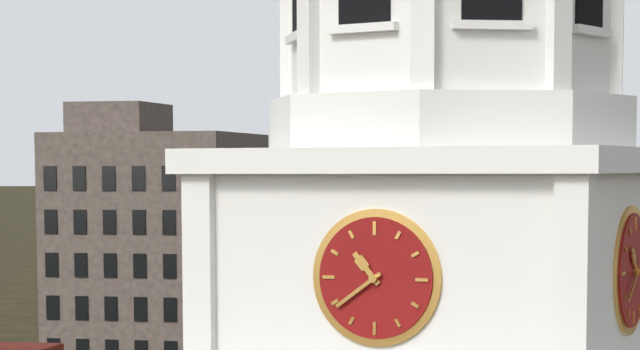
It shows 10,39
